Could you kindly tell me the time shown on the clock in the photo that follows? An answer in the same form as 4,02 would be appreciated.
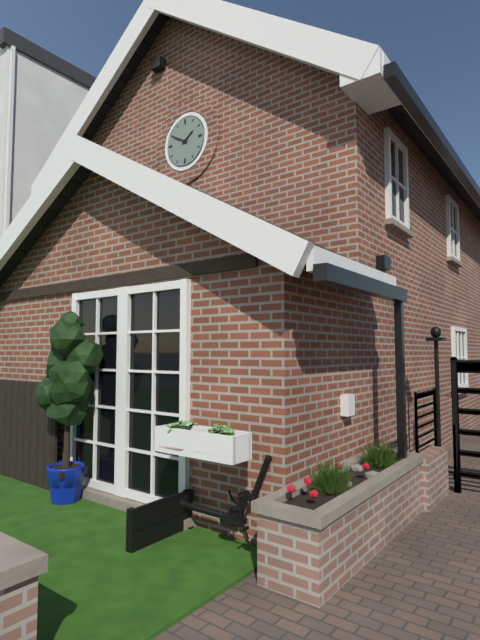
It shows 1,50
